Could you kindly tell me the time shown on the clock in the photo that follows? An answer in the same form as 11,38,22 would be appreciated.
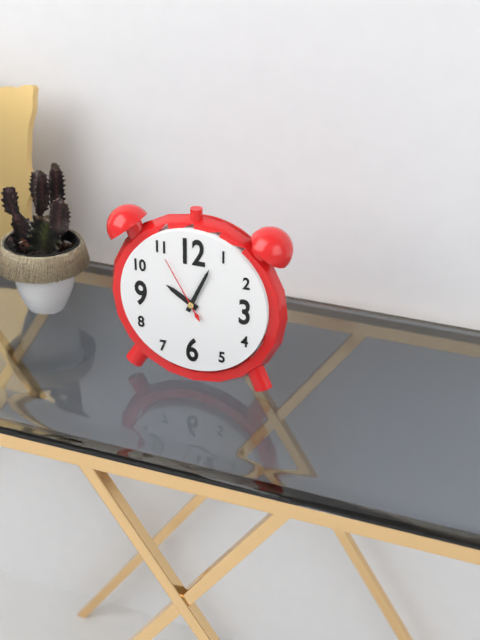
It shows 10,04,55
